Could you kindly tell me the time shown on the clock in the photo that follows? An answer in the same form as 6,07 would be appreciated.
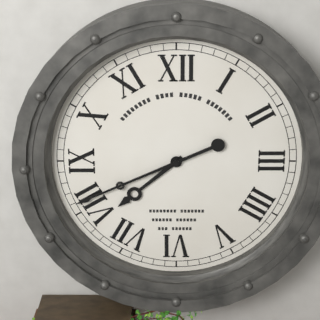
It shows 7,41
